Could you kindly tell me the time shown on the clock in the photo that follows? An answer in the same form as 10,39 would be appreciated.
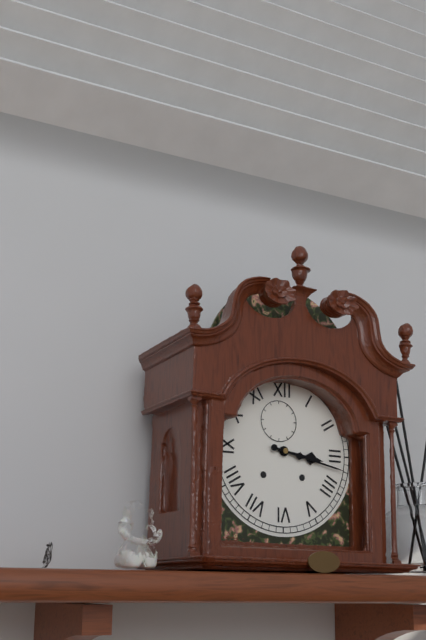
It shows 3,17
